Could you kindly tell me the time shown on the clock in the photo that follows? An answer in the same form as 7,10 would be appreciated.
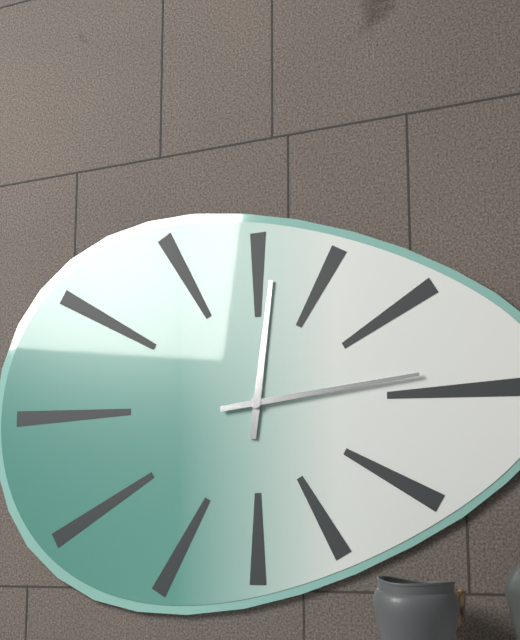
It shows 12,14
